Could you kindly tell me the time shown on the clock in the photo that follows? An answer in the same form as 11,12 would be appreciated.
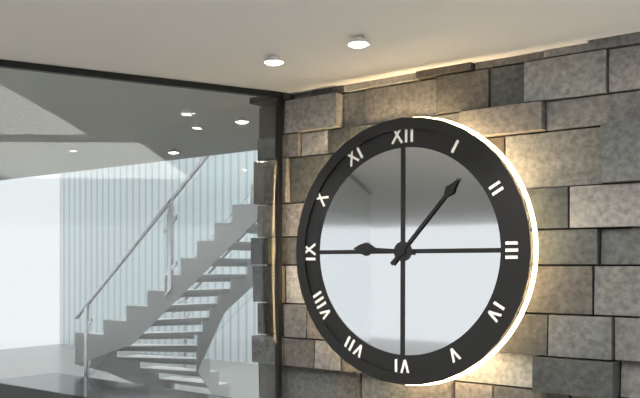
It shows 9,07
